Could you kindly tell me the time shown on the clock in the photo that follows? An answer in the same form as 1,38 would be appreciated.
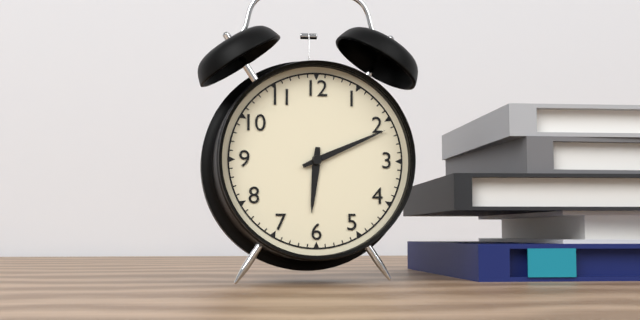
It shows 6,11
